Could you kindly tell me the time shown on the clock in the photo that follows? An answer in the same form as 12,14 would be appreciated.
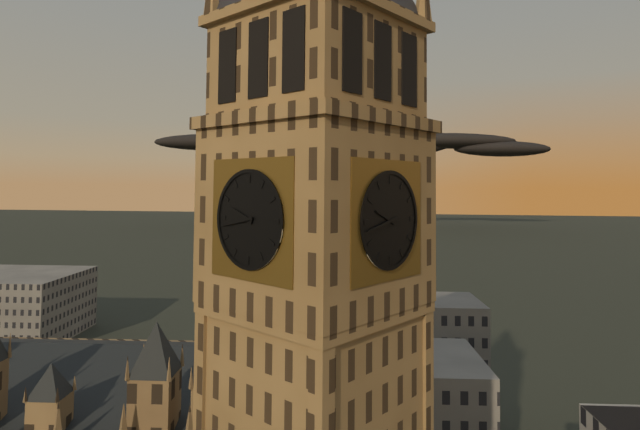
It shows 9,43
